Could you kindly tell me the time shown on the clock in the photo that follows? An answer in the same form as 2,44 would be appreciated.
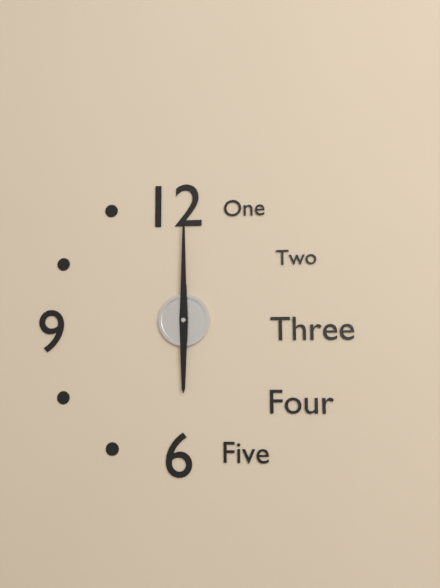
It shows 6,00
